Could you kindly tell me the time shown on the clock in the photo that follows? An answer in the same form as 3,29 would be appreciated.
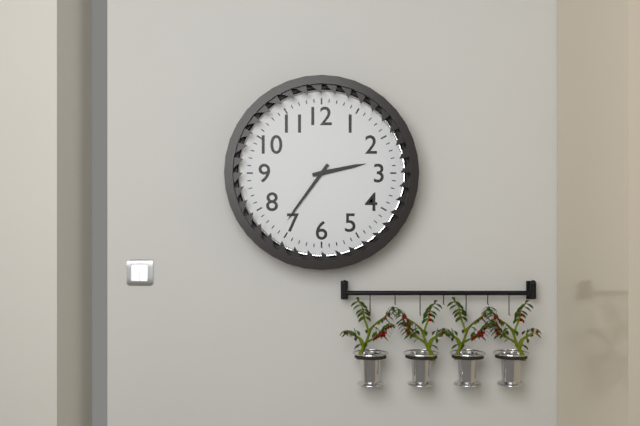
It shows 2,36
